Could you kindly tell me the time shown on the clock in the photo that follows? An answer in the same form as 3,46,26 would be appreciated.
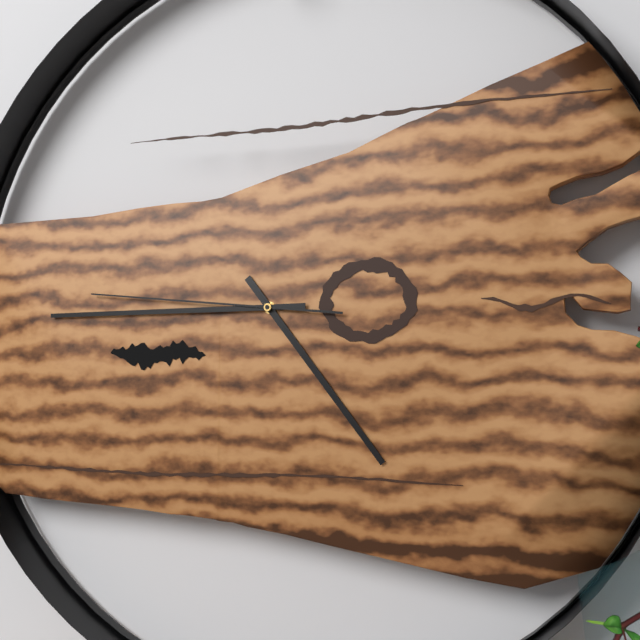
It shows 4,45,46
